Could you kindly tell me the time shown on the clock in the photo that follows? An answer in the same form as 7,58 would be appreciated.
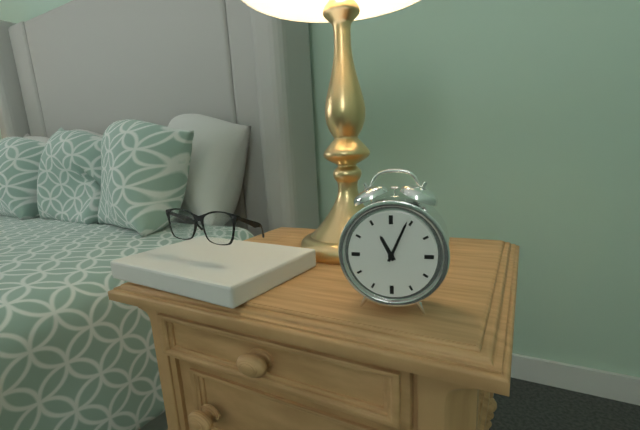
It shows 11,04
